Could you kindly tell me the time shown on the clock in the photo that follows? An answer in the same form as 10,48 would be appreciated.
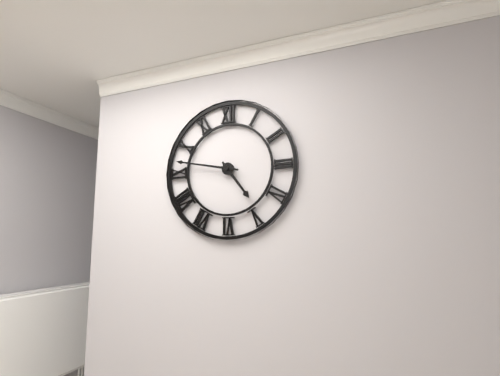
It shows 4,47
